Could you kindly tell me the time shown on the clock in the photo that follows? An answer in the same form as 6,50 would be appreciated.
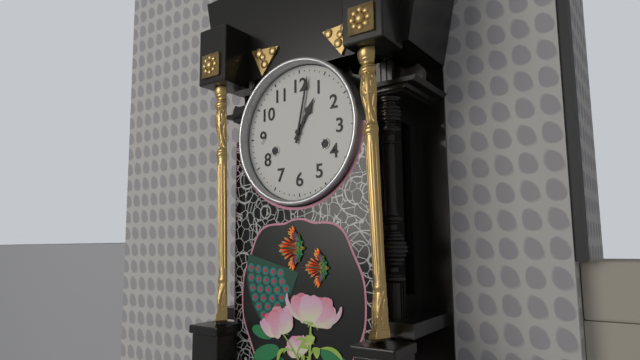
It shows 1,02
